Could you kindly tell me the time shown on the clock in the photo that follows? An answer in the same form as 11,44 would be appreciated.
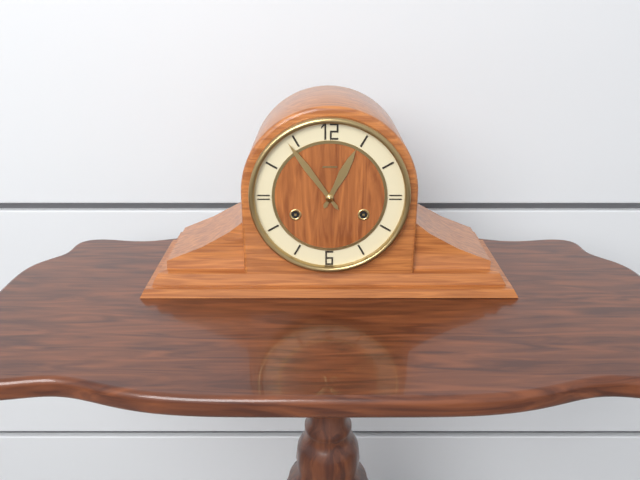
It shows 12,54
